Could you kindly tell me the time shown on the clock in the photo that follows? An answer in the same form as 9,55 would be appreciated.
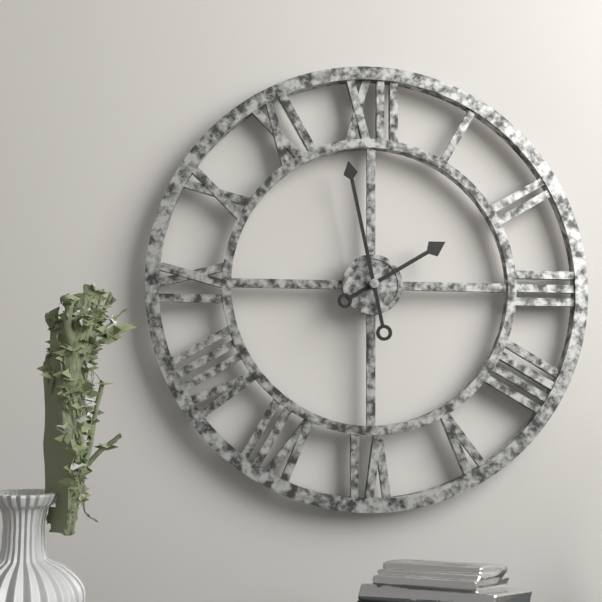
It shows 1,58
